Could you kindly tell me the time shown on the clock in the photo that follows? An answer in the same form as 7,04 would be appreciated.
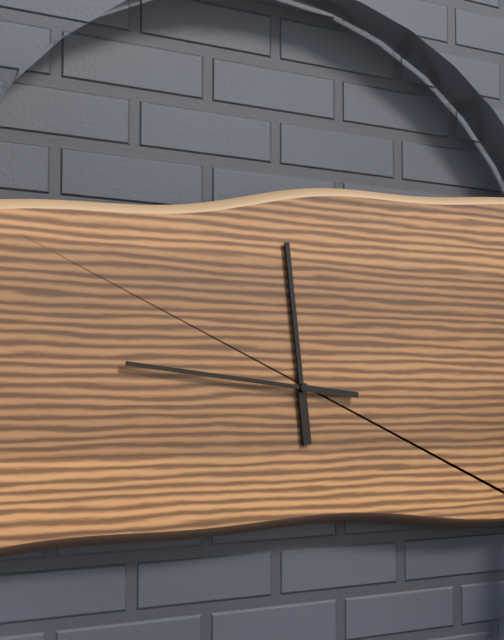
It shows 11,46
